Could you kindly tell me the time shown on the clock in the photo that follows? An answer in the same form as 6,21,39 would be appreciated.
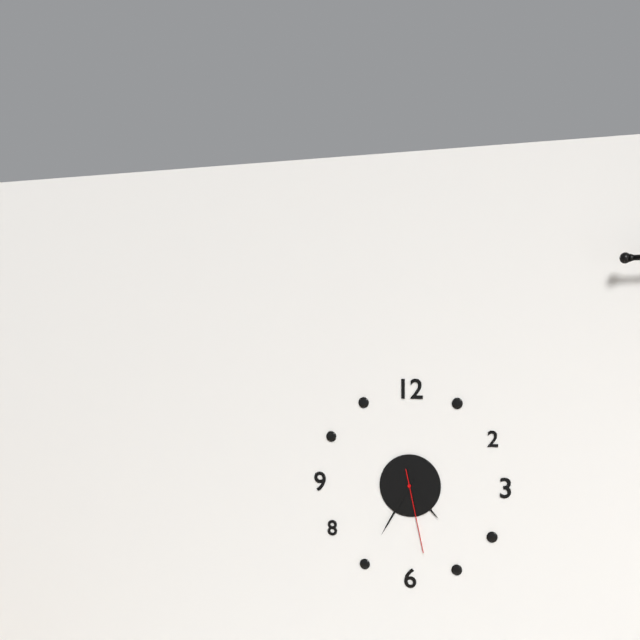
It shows 4,35,28
